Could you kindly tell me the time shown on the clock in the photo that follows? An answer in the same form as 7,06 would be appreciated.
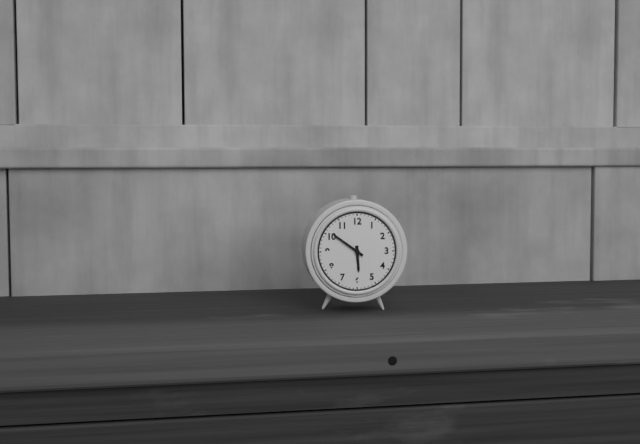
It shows 5,51
